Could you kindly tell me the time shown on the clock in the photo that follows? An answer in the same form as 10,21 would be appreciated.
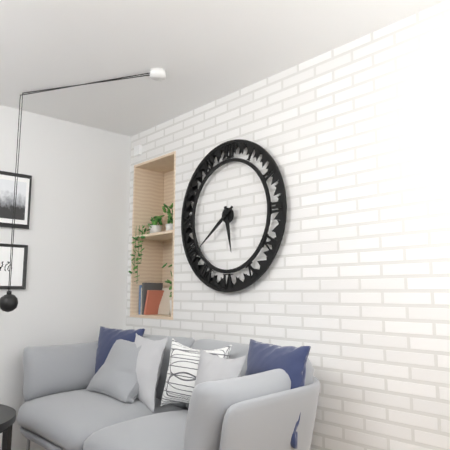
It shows 5,39
